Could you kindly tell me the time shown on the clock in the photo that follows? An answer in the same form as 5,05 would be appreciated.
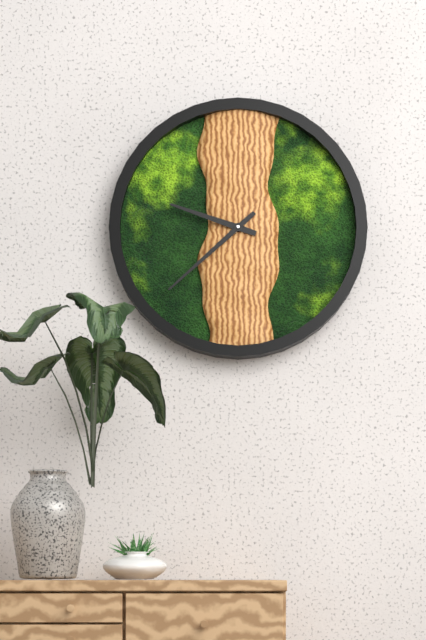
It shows 9,38
